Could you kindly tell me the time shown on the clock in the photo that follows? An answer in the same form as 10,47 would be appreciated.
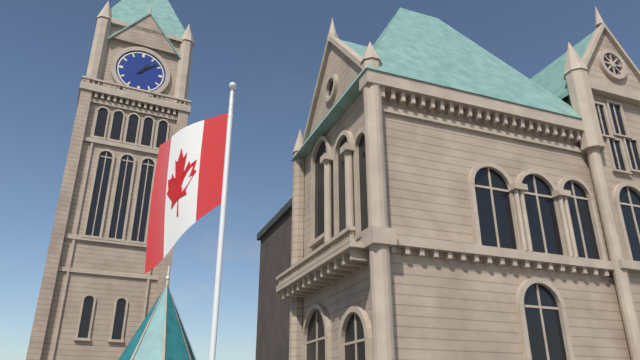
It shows 1,08
